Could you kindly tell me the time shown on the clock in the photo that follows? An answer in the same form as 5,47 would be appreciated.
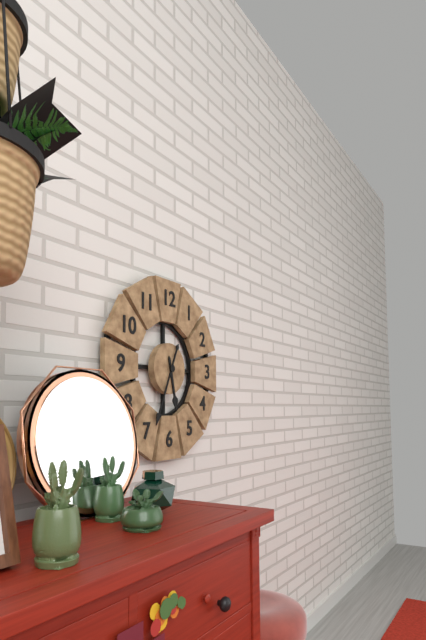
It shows 5,34
